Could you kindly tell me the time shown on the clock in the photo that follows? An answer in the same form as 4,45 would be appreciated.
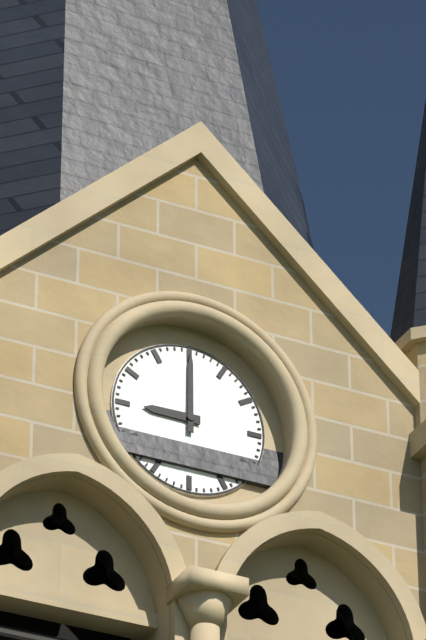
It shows 9,00
